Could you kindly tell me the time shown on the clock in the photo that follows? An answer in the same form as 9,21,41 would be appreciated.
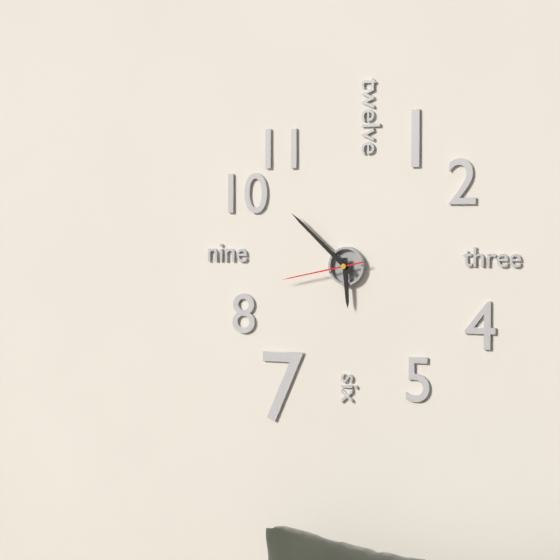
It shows 5,52,43
